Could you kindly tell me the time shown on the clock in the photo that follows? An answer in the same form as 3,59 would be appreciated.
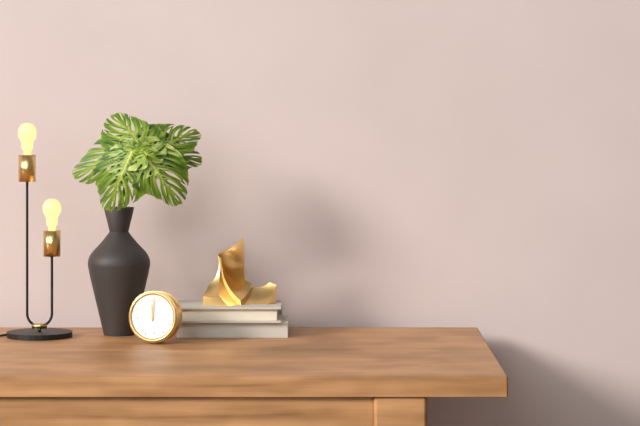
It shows 12,02
